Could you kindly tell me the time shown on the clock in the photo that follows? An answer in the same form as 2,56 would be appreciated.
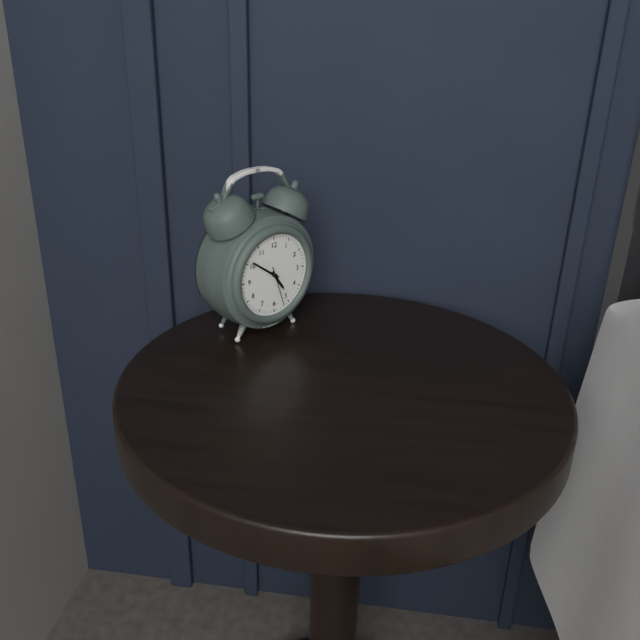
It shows 4,51
